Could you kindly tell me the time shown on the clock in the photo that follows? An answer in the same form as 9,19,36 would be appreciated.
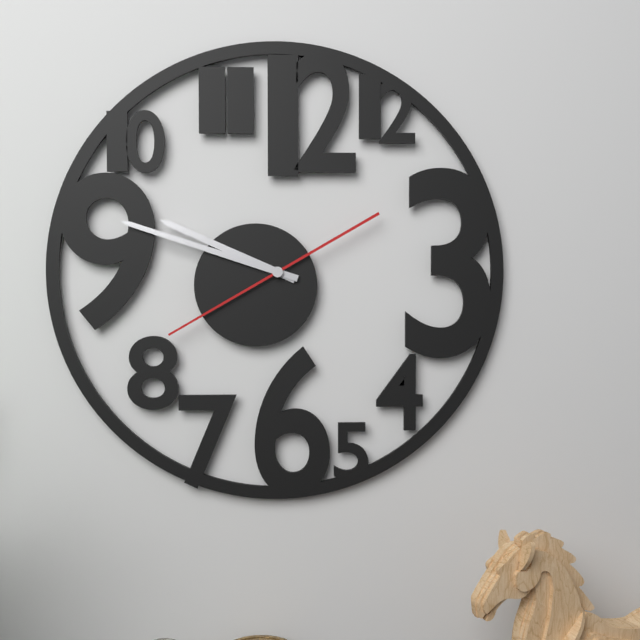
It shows 9,48,40
